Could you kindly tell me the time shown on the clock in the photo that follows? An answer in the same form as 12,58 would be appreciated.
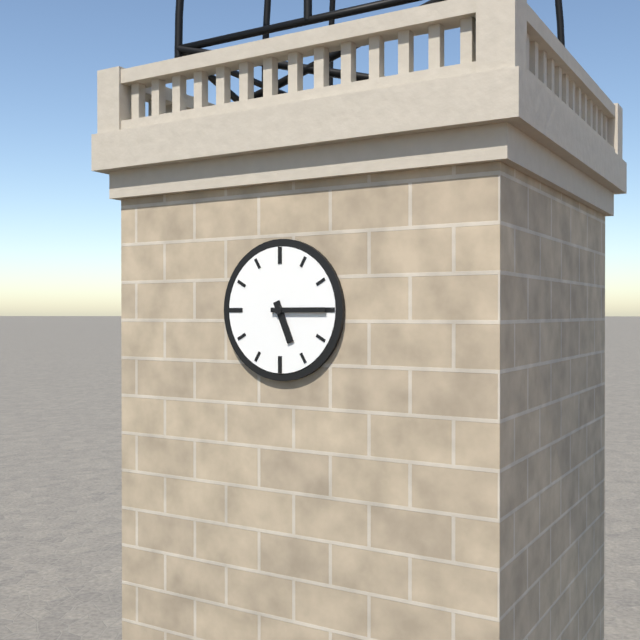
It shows 5,15
